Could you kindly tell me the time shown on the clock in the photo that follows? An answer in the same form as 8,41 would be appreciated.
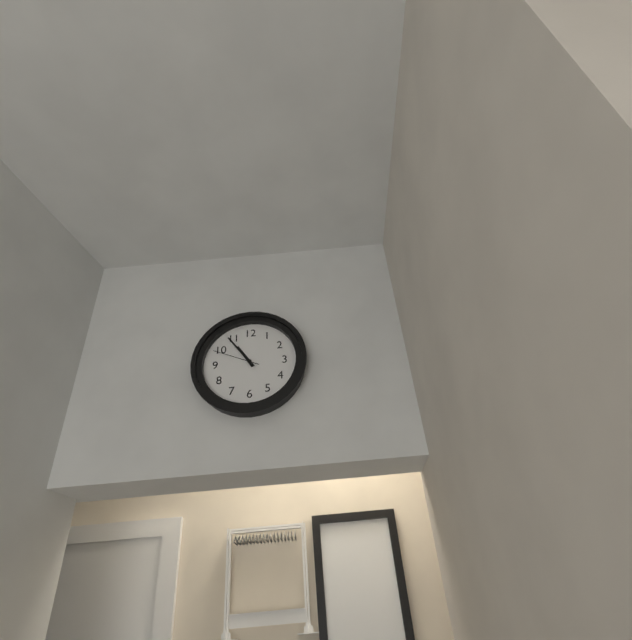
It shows 10,54
